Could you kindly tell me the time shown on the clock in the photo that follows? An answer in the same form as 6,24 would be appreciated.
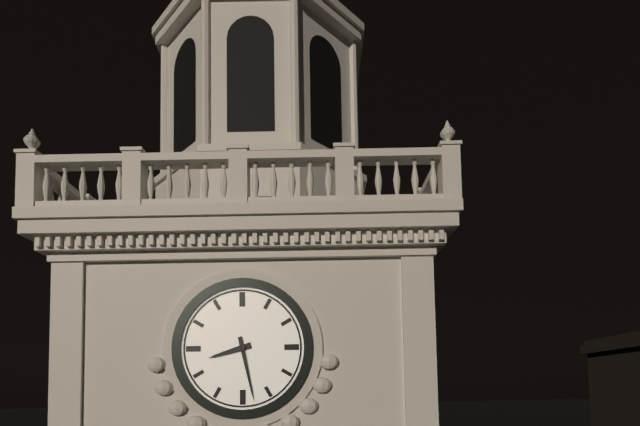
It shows 8,28
